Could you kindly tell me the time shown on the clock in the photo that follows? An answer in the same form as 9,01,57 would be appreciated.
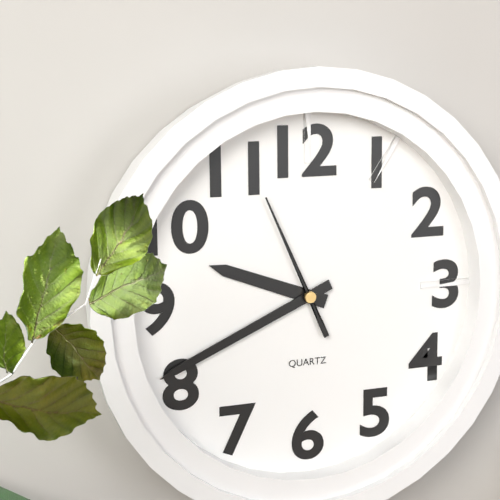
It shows 9,41,56
